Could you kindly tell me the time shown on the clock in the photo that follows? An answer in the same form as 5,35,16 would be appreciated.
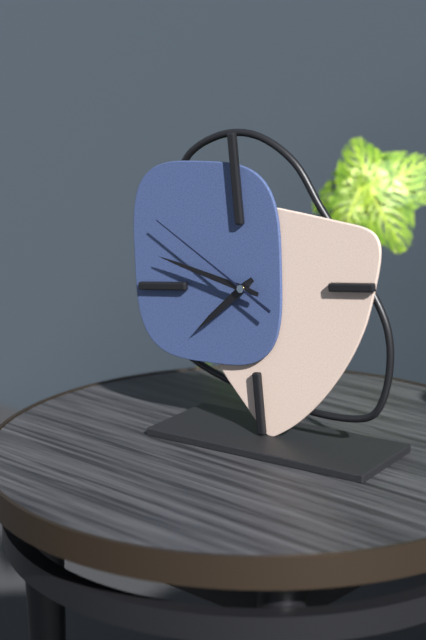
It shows 7,48,51
